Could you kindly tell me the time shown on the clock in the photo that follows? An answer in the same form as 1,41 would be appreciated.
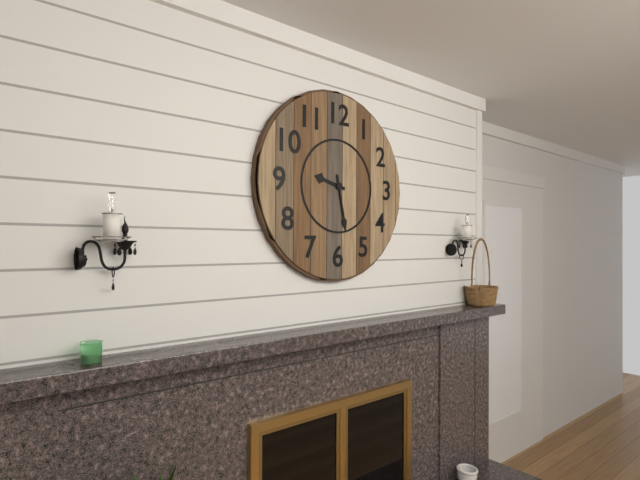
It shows 9,28
